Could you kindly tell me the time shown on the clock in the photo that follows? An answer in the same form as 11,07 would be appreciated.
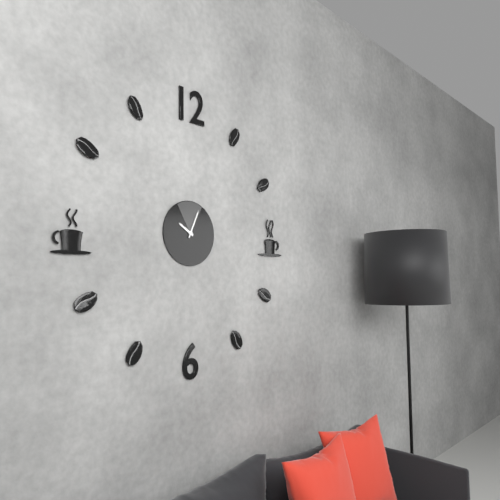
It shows 10,04
